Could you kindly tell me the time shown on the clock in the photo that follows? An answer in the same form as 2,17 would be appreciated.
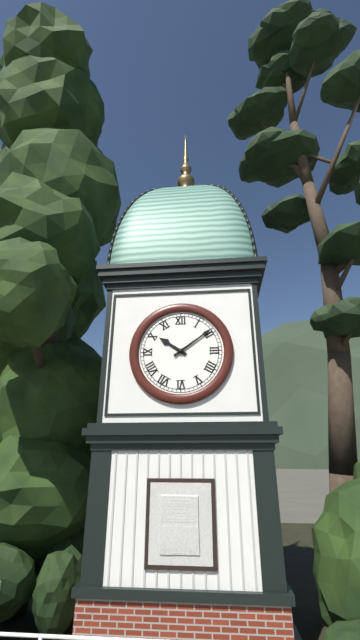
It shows 10,09
